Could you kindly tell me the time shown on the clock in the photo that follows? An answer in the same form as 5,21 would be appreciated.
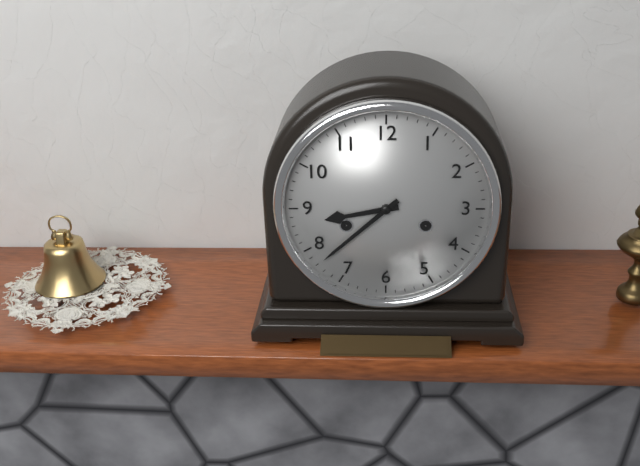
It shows 8,38
